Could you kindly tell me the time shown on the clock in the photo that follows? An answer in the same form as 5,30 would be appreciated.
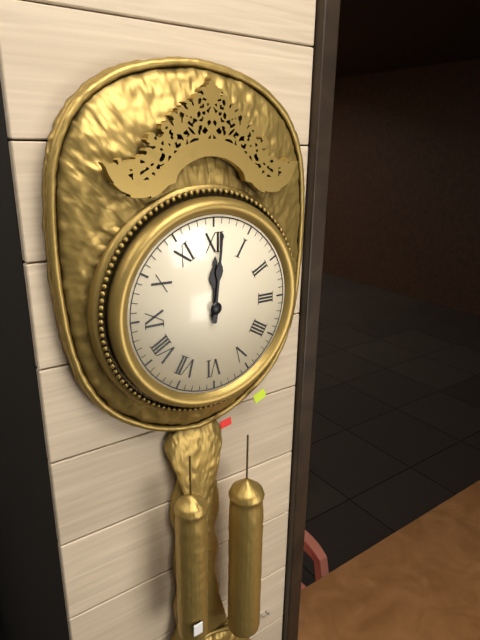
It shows 12,01
